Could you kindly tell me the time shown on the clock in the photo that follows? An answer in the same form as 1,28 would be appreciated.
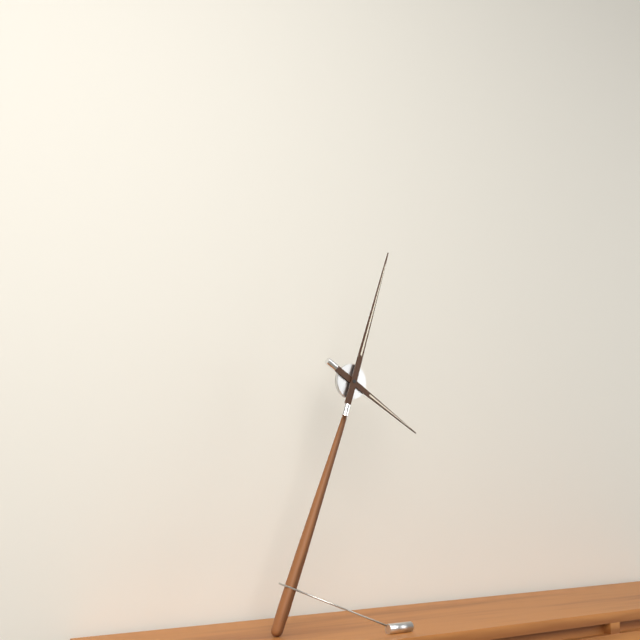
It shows 4,03
